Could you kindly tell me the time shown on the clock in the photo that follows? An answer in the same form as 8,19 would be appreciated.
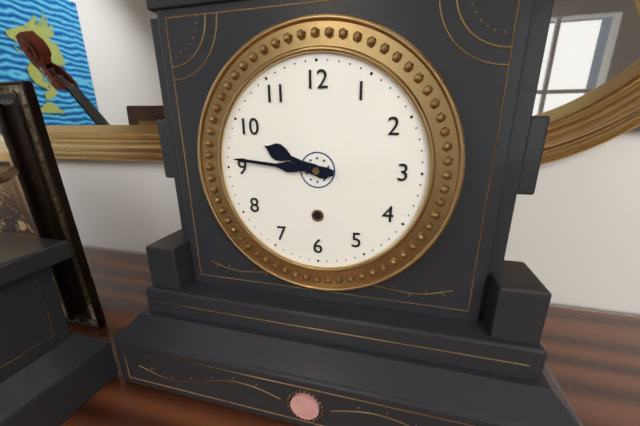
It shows 9,46
